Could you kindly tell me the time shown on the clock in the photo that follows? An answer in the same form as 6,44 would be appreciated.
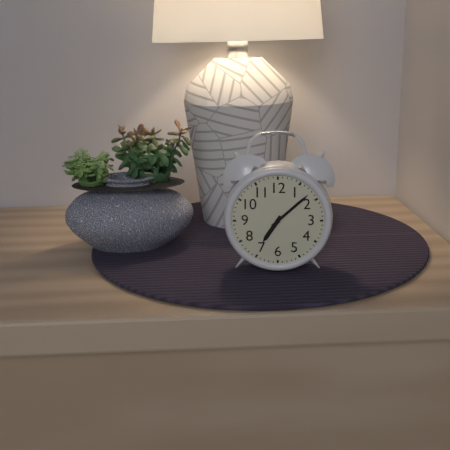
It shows 7,08
